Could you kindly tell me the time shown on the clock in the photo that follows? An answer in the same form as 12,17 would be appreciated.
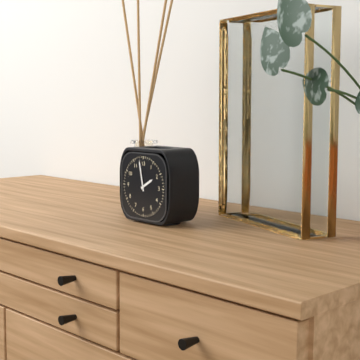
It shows 1,58
